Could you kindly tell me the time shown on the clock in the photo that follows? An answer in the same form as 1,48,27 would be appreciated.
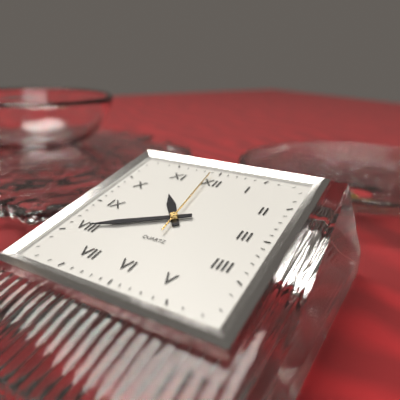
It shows 10,40,59
